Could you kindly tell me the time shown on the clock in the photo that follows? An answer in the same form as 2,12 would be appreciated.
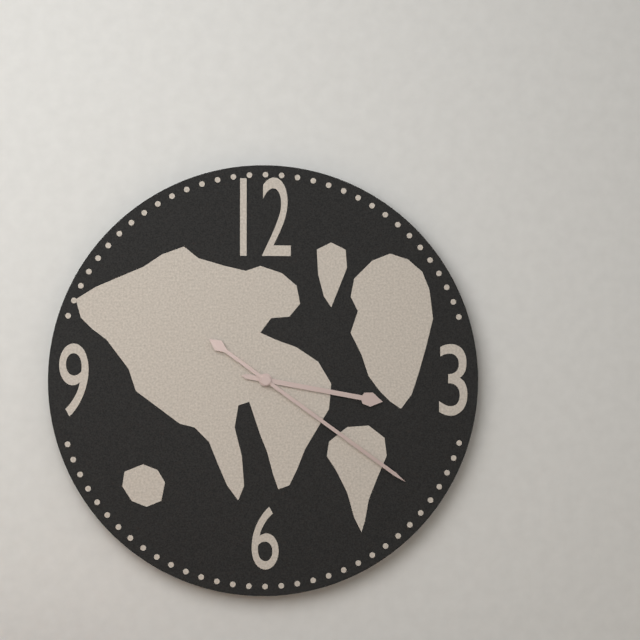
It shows 3,21
